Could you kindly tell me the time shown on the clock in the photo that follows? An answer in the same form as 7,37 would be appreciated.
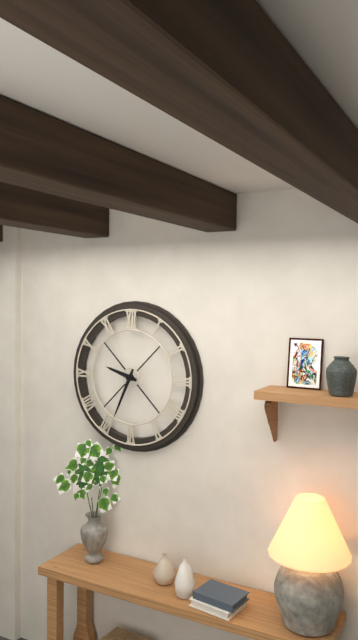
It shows 9,34
